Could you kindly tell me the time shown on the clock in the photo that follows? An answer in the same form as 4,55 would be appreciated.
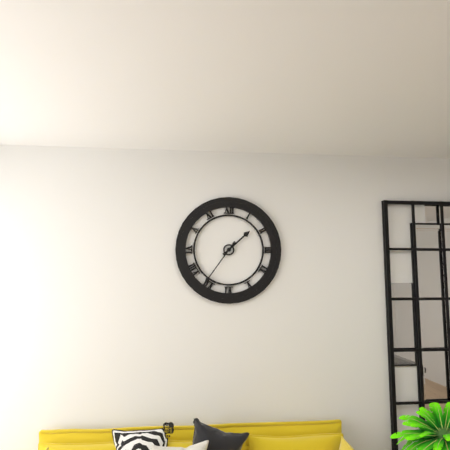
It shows 1,36
